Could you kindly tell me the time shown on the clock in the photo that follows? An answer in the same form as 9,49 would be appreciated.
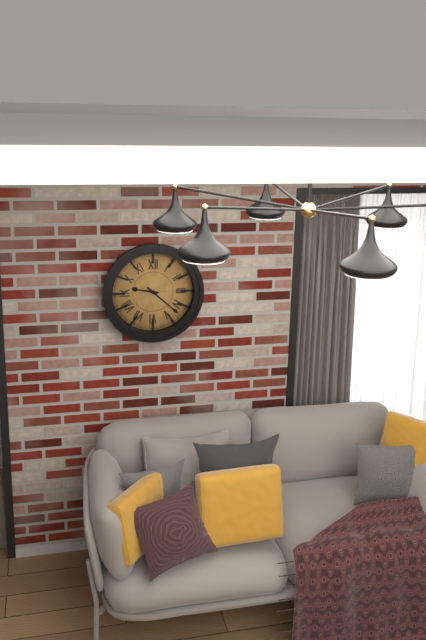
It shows 9,22
